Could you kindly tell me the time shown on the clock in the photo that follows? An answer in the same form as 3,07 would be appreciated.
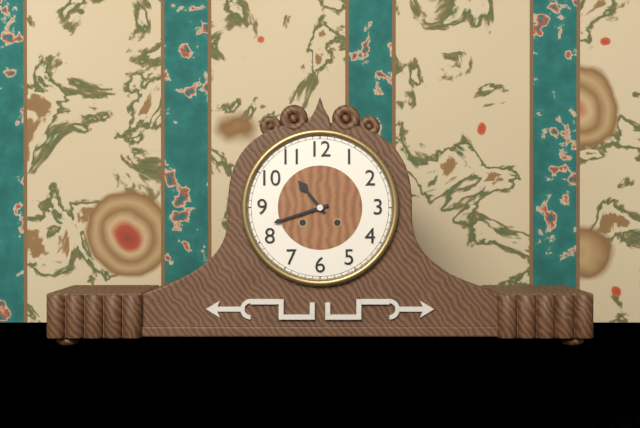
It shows 10,42
